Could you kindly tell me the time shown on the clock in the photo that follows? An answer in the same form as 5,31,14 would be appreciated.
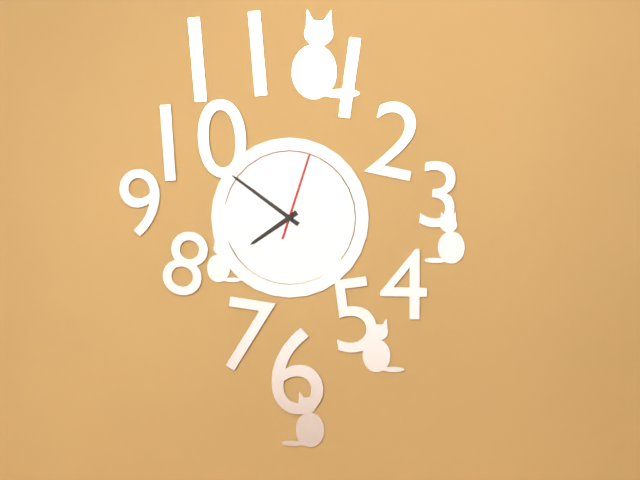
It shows 7,51,03
